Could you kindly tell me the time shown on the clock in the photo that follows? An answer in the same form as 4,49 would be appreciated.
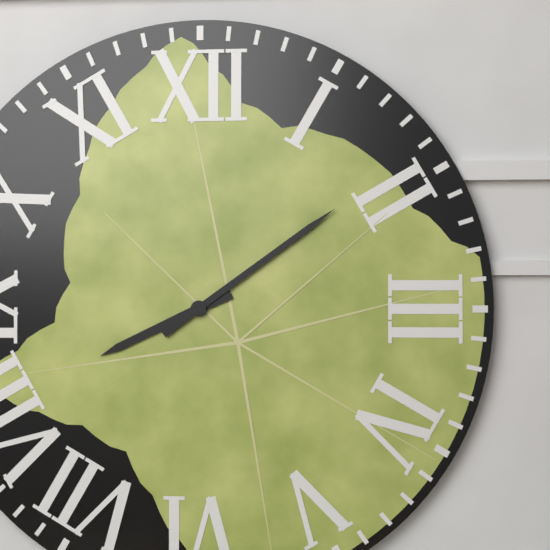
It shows 8,09
